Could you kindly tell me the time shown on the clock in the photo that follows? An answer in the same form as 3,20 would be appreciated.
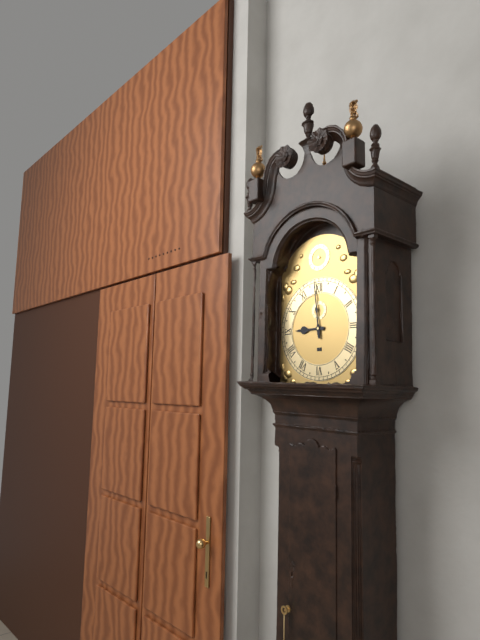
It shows 8,59
